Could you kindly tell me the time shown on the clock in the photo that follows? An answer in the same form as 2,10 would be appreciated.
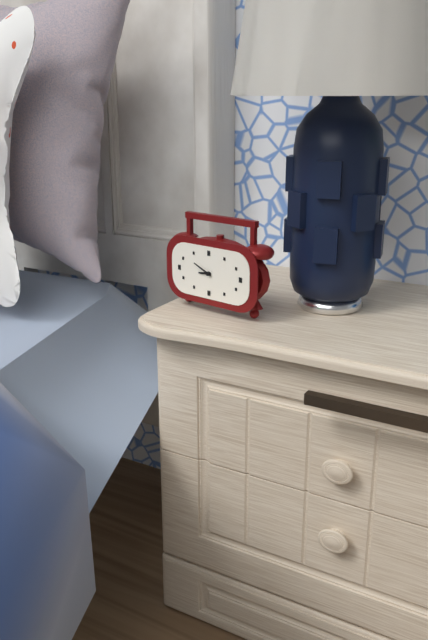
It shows 8,49
